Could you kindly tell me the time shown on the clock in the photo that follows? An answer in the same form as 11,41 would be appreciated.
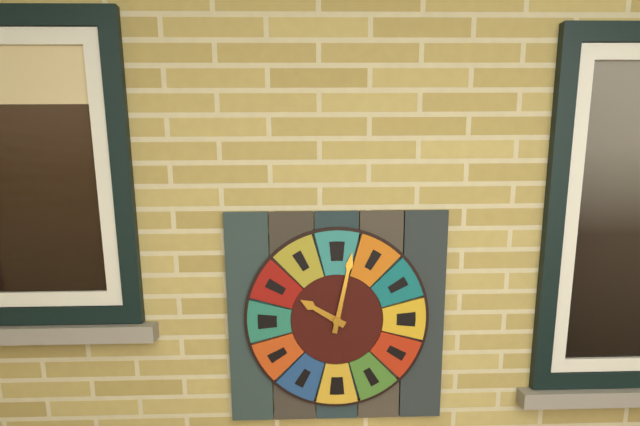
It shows 10,02
